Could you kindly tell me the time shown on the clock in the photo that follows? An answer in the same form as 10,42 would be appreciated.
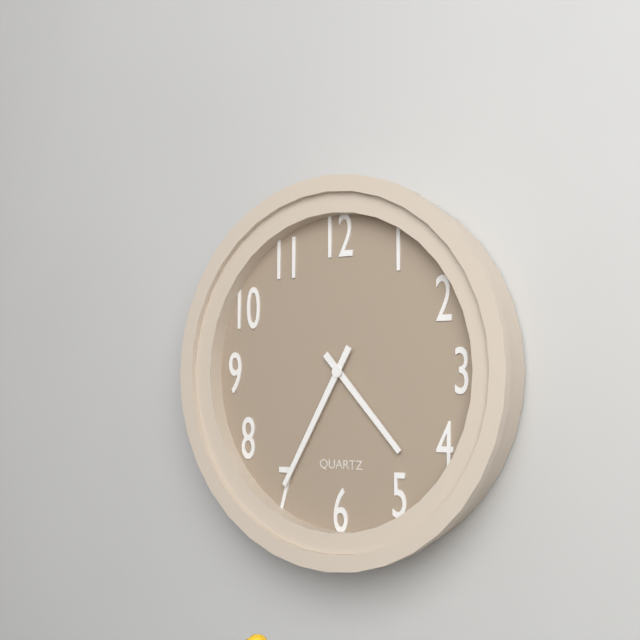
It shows 4,35
